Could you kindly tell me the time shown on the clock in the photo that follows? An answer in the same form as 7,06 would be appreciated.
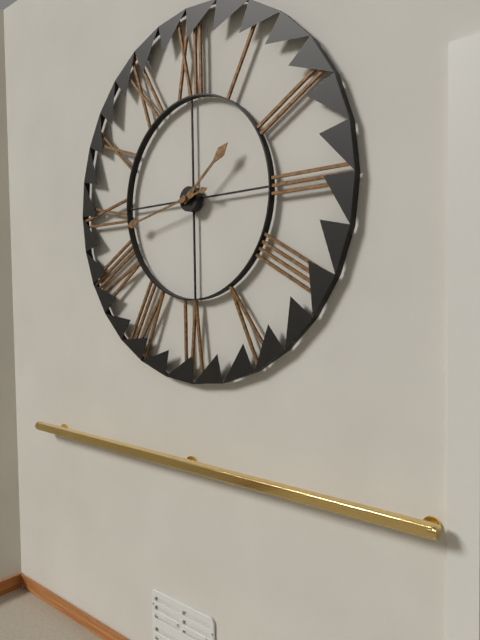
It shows 1,43
